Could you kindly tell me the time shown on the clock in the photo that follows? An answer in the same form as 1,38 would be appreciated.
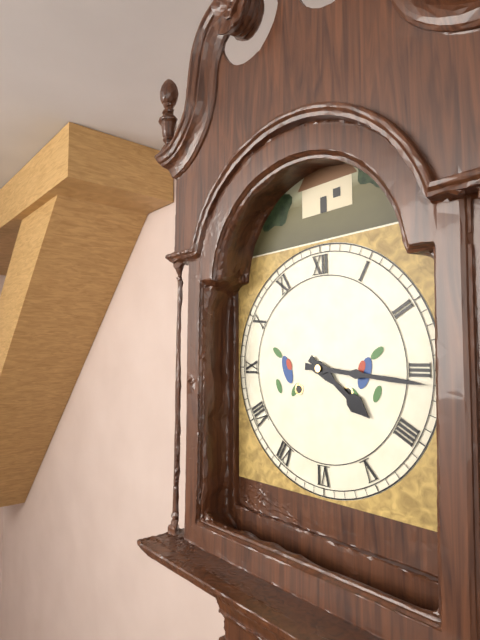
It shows 4,16
